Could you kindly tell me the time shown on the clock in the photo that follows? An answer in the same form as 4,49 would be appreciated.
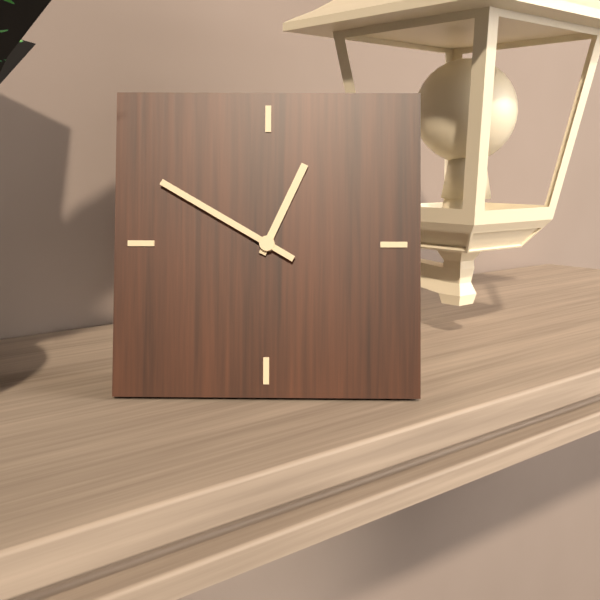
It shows 12,50
